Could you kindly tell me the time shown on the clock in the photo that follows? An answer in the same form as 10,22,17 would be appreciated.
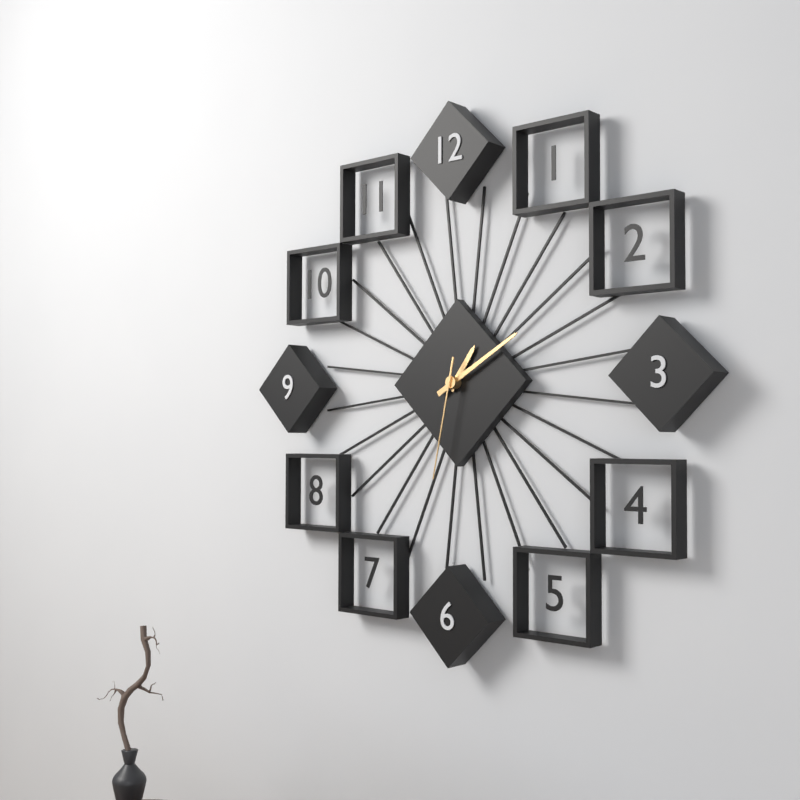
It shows 1,10,32
